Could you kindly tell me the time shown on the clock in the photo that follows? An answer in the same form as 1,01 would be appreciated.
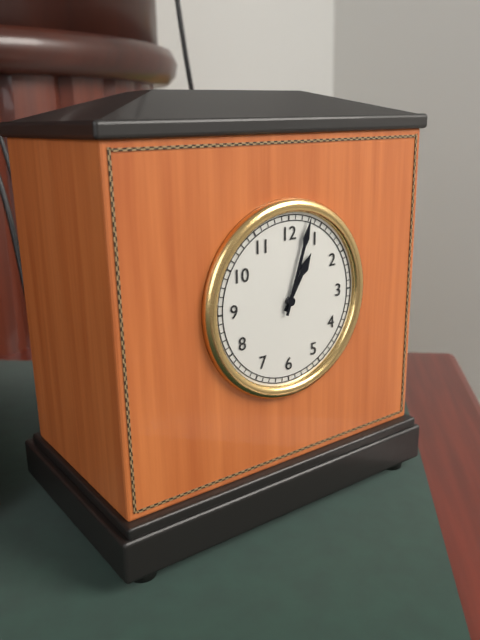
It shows 1,03
